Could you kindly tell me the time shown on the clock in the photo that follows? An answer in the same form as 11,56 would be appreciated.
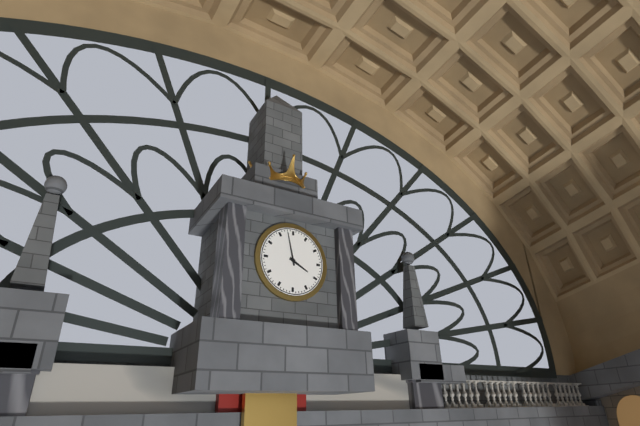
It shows 3,58
